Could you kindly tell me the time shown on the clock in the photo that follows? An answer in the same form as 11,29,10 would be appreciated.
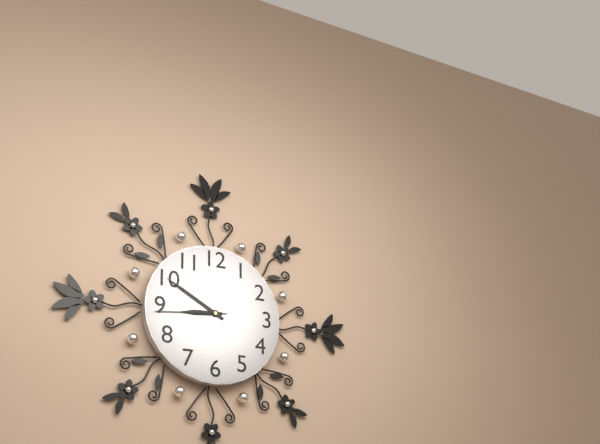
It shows 8,50,44
